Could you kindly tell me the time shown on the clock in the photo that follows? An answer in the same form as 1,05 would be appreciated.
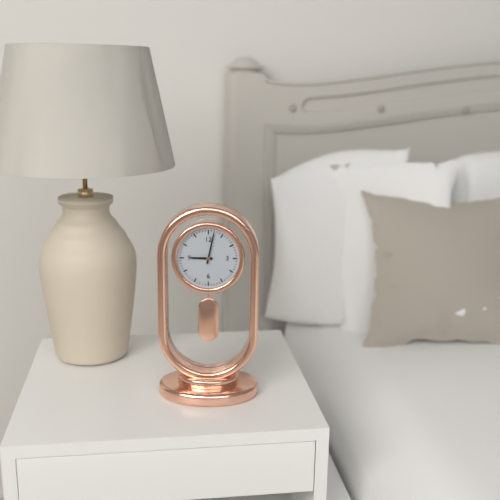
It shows 9,02
